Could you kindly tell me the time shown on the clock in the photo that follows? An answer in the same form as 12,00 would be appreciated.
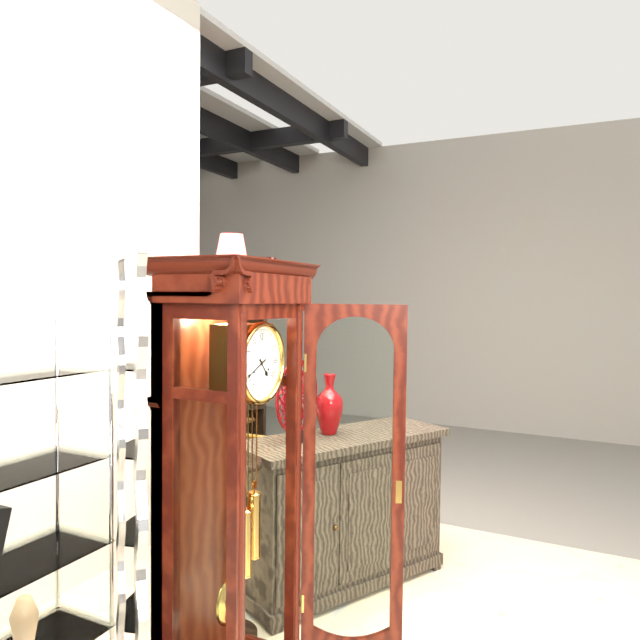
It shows 4,41
